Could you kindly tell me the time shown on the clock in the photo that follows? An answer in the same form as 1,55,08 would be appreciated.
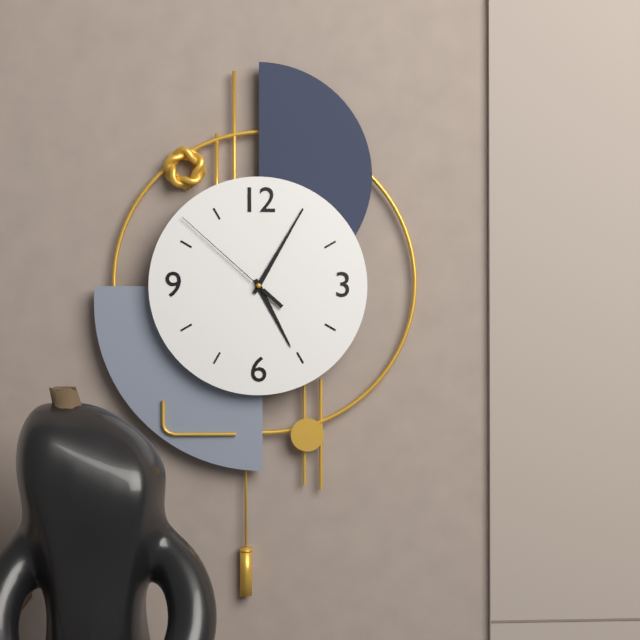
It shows 5,05,52
